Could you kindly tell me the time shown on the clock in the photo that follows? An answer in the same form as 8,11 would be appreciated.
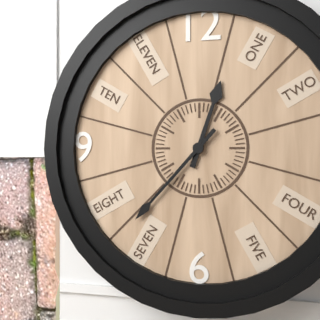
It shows 12,37
